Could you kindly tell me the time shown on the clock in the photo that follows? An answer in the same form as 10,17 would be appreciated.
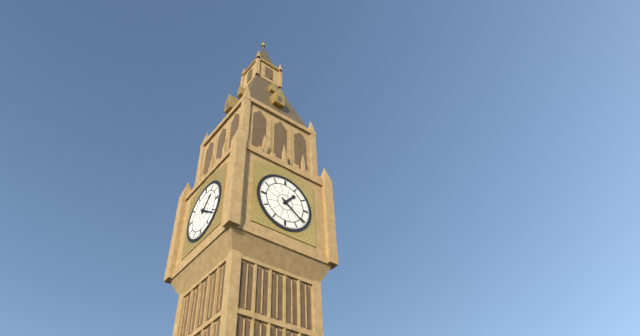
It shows 1,21
